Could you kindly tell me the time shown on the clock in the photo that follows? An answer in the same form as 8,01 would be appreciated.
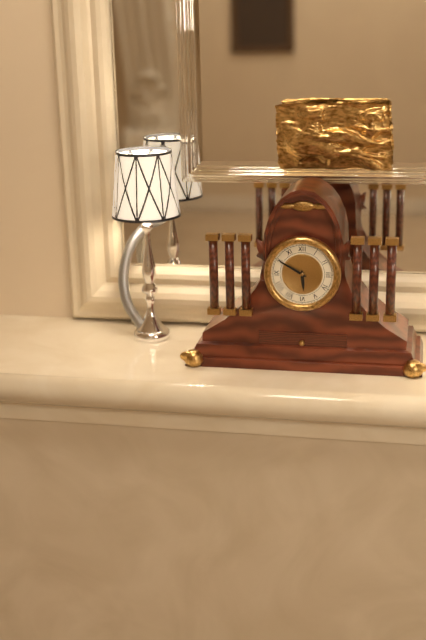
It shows 5,50
